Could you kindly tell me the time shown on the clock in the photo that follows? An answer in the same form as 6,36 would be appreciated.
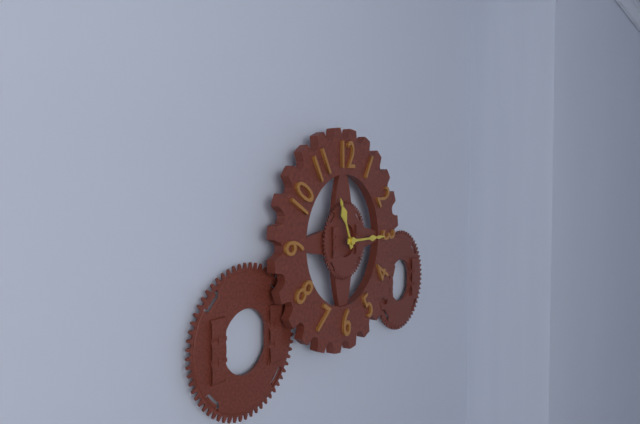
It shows 11,15
